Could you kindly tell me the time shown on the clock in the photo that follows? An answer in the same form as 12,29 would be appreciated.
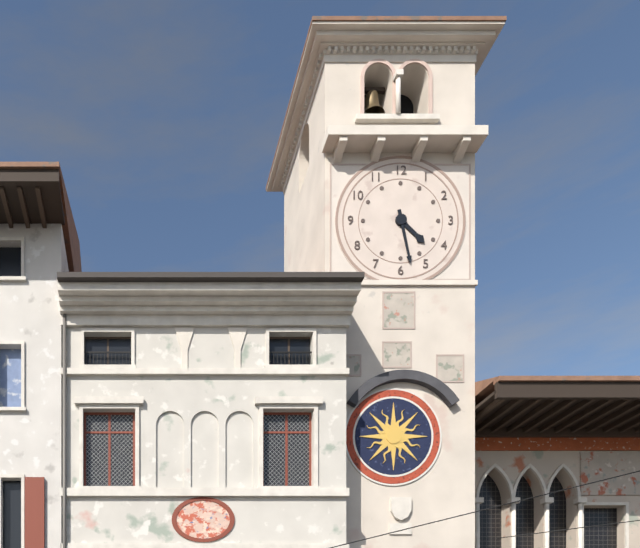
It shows 4,28
